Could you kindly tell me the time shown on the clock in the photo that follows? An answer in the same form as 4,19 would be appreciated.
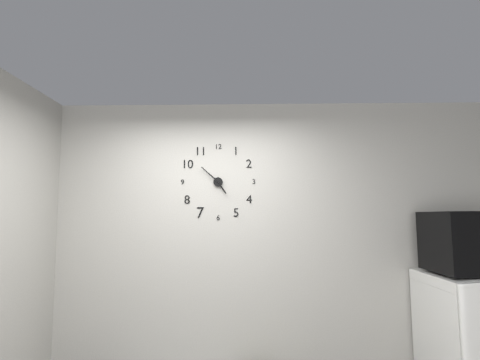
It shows 4,52
